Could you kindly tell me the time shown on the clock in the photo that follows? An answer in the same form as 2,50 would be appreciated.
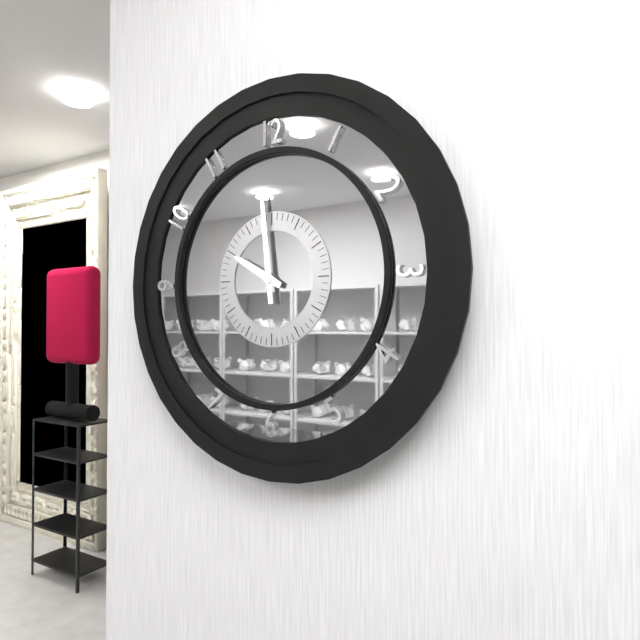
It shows 9,59
